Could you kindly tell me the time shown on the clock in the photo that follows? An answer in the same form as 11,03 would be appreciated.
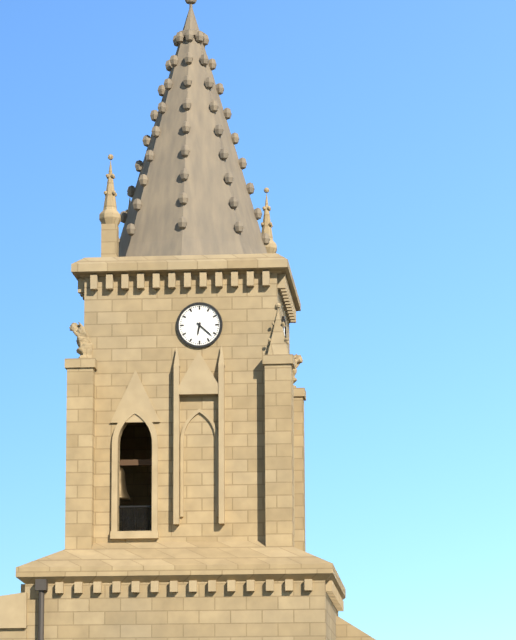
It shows 6,22
